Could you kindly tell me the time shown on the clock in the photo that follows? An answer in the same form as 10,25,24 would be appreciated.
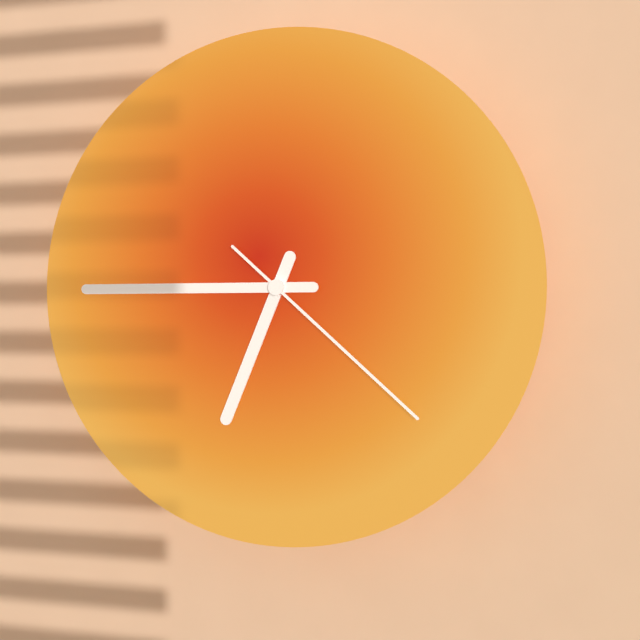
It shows 6,45,22
